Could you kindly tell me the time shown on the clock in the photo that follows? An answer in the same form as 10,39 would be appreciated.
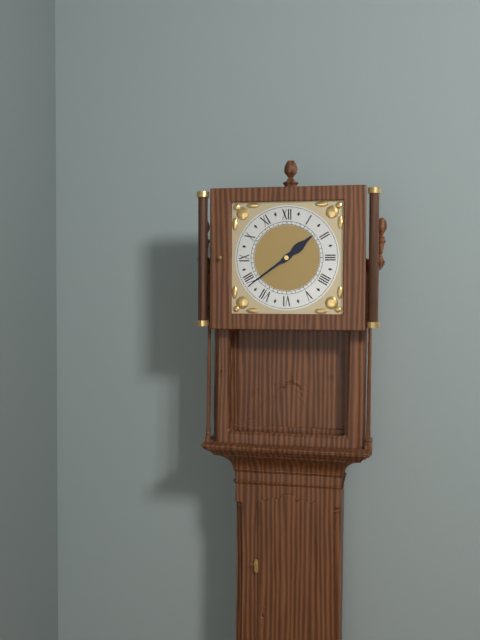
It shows 1,39
